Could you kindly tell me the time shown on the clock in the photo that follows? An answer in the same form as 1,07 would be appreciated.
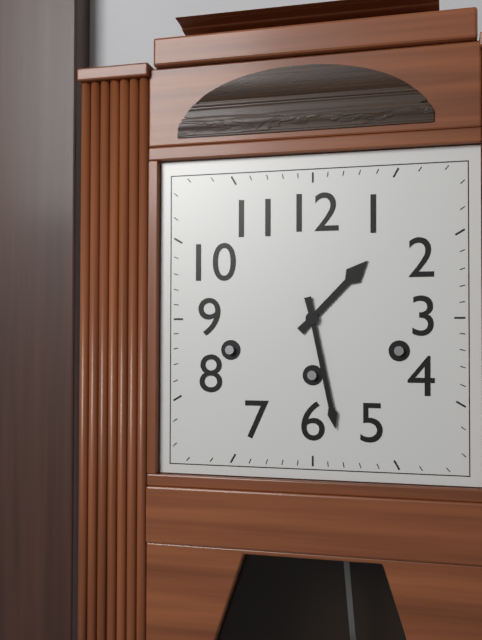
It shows 1,28
